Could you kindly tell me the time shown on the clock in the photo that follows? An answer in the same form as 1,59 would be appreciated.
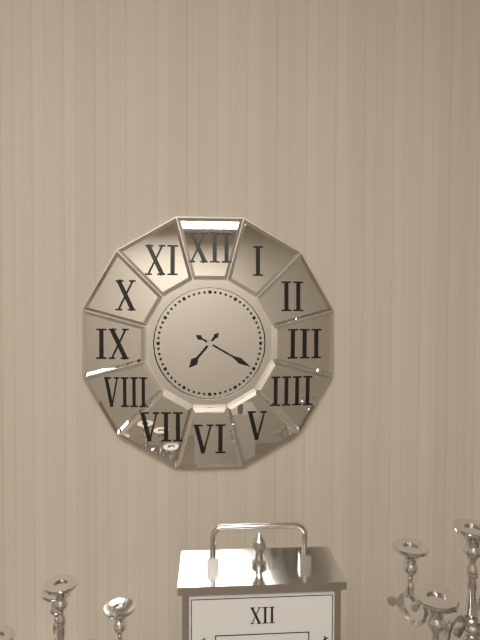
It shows 7,20
